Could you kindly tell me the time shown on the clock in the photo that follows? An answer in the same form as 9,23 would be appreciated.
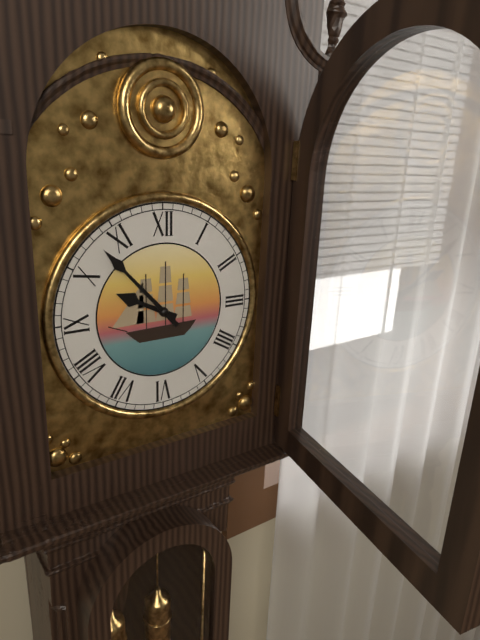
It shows 9,53
